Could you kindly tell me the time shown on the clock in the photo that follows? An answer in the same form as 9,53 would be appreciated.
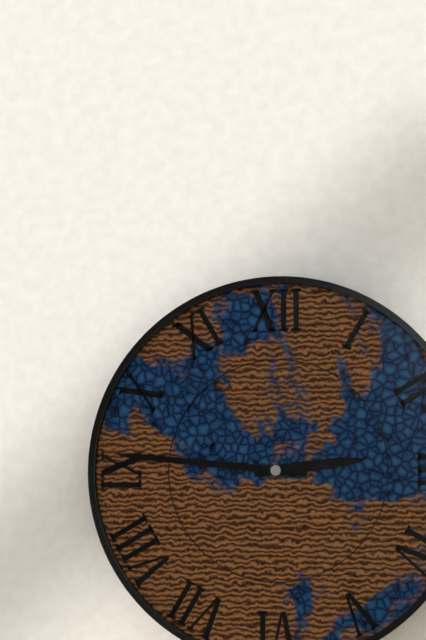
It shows 2,46
